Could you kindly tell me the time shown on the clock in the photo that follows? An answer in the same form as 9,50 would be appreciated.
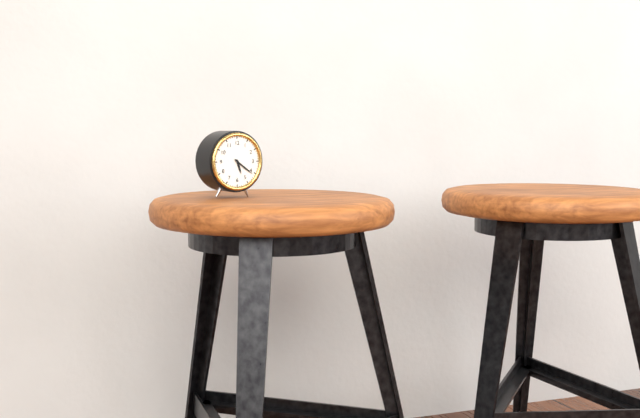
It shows 5,21
